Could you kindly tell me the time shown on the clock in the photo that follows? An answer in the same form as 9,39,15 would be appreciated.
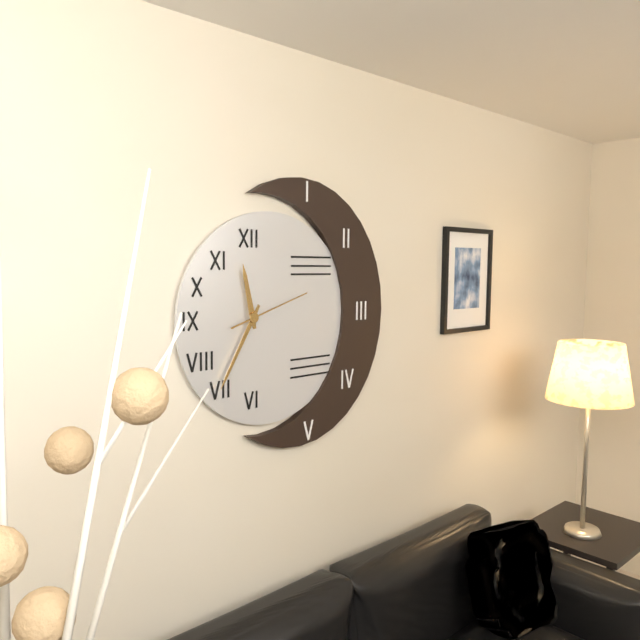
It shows 11,35,12
